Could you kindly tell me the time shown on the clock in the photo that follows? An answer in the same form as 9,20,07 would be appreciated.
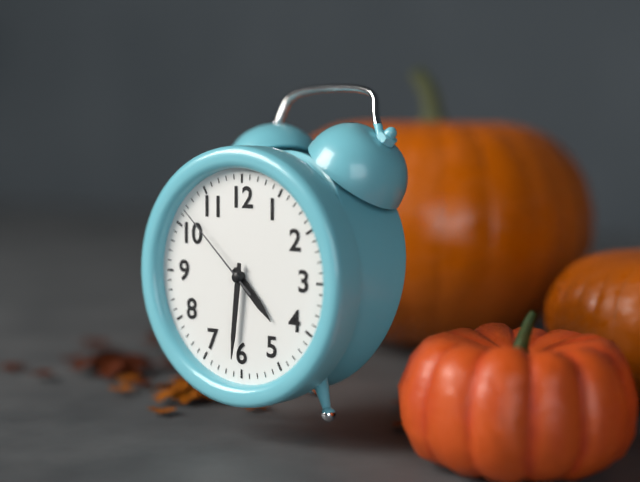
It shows 4,31,52
